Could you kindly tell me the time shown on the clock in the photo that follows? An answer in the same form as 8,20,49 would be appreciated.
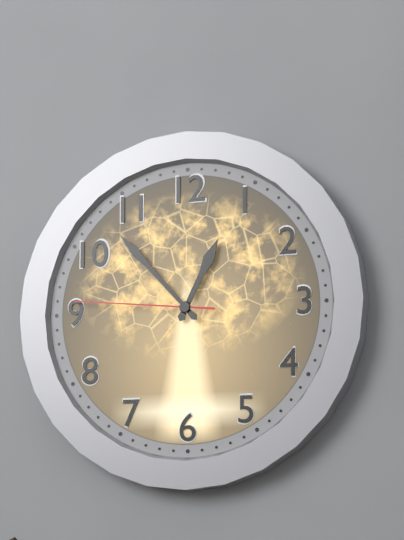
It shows 12,53,46
